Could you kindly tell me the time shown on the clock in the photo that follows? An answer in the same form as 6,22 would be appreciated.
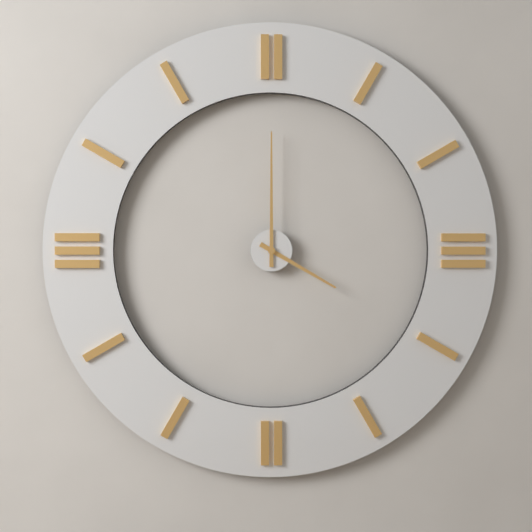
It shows 4,00
